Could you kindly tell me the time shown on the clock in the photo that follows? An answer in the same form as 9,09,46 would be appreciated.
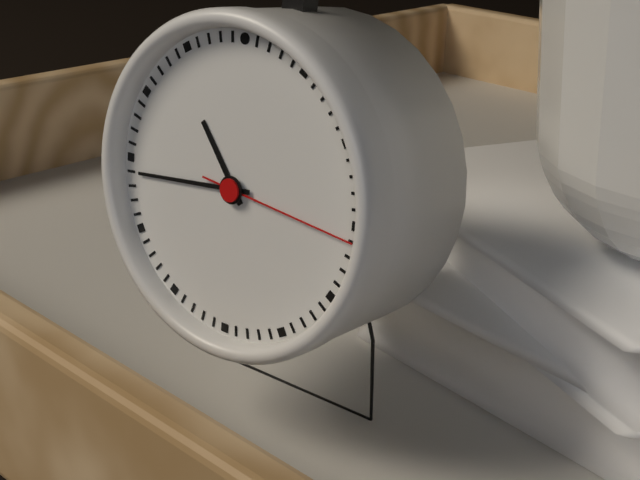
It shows 10,44,16
